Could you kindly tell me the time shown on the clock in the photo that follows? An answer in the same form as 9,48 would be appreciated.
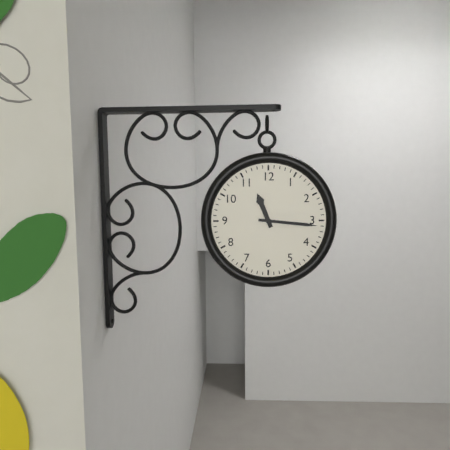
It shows 11,16
